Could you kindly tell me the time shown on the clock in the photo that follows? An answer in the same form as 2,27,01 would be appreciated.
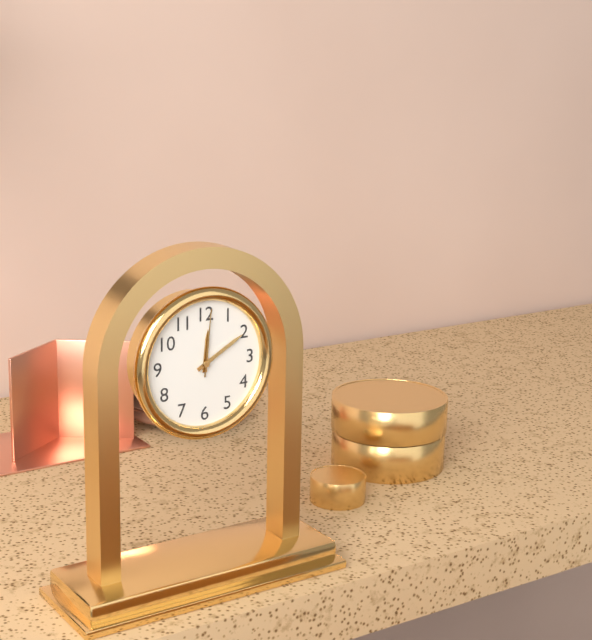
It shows 12,10,01
